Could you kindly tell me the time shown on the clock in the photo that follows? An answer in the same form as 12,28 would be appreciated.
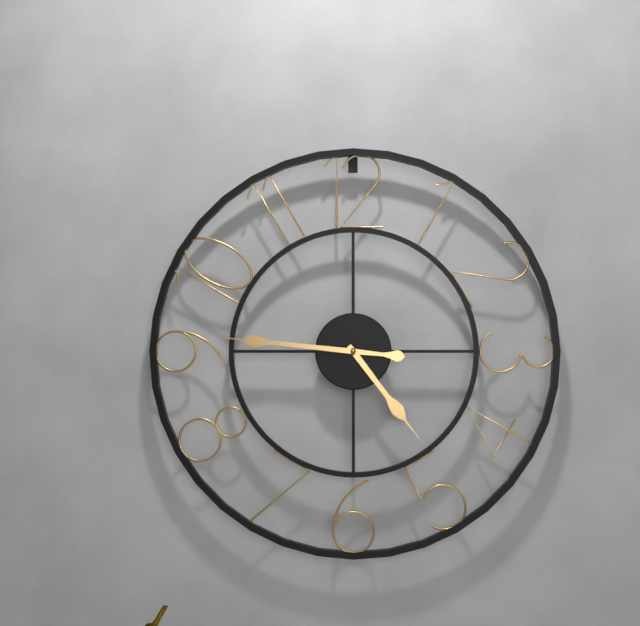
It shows 4,46
